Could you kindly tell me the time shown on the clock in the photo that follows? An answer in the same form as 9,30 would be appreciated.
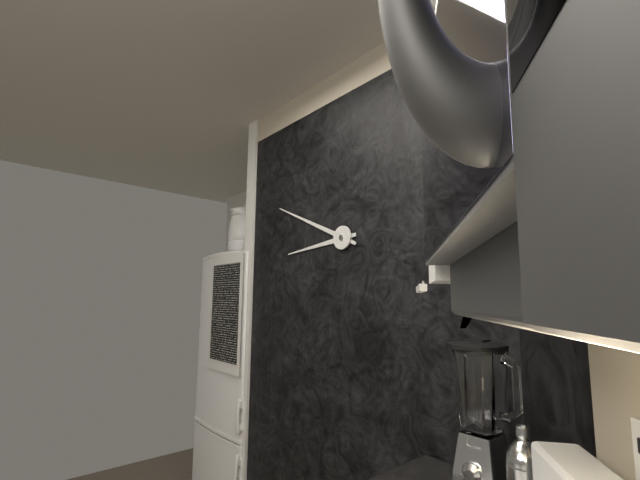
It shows 8,49
